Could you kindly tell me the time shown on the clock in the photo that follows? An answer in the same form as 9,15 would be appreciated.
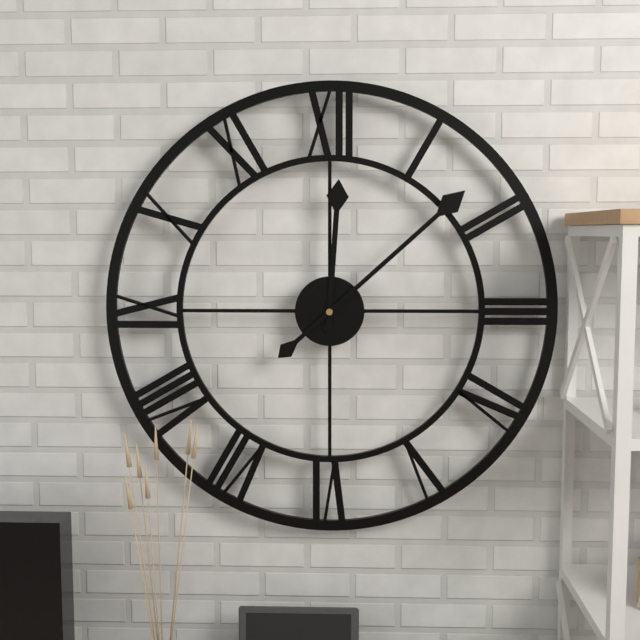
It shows 12,08
